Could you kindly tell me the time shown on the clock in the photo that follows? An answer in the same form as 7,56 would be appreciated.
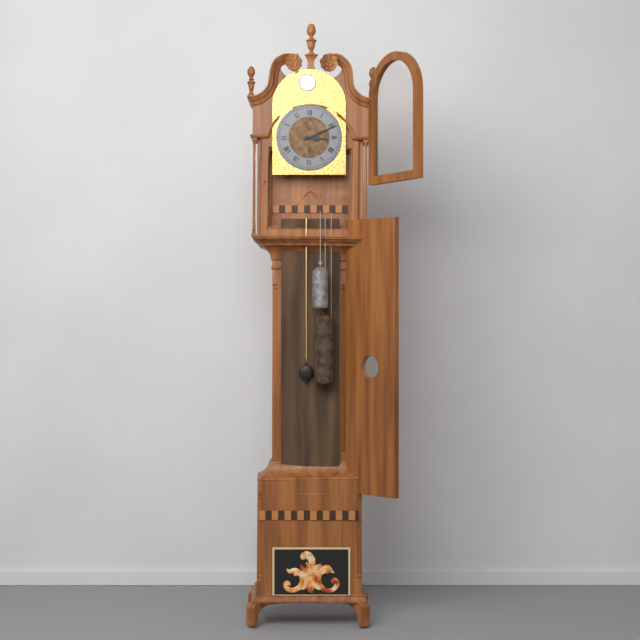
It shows 3,11
